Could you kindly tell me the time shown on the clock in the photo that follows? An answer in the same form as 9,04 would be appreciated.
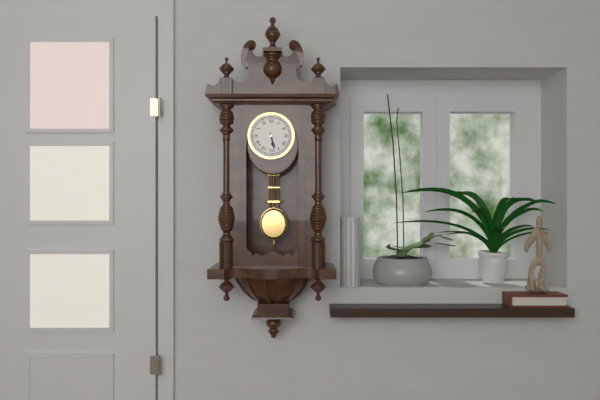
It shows 5,28
